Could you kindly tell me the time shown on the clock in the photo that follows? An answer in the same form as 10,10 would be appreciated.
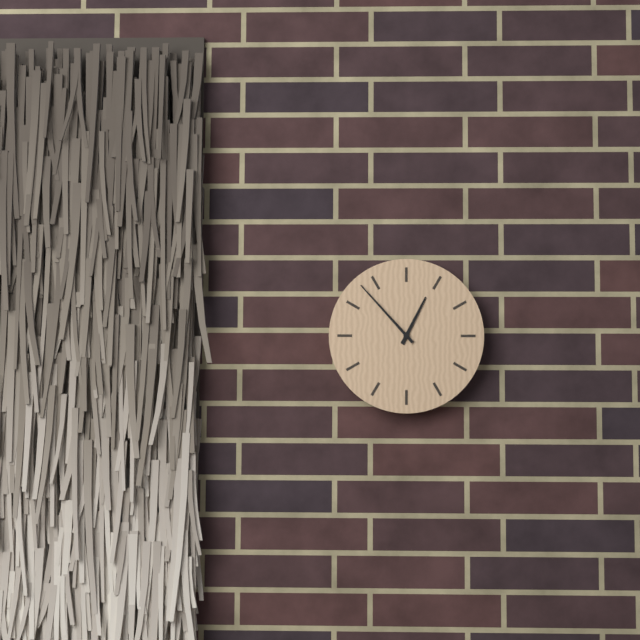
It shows 12,53
